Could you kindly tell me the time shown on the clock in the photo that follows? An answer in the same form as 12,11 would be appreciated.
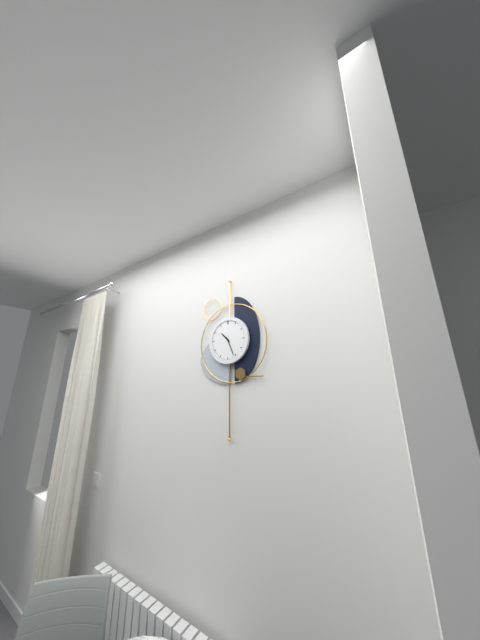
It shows 10,26
